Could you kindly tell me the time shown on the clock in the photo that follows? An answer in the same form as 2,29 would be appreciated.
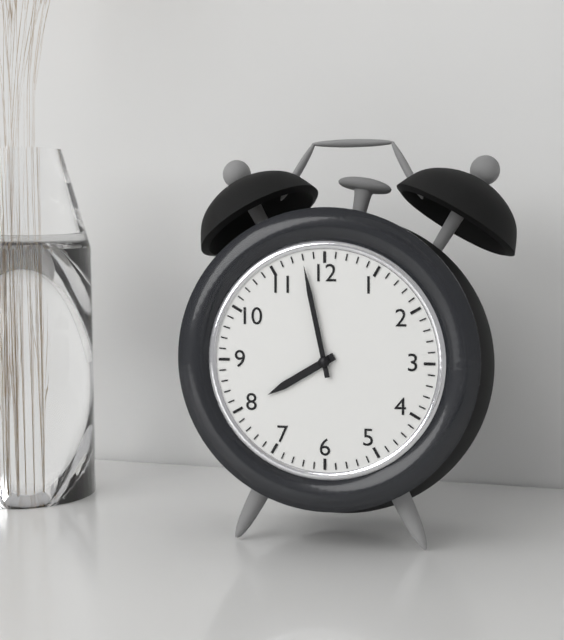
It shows 7,58
